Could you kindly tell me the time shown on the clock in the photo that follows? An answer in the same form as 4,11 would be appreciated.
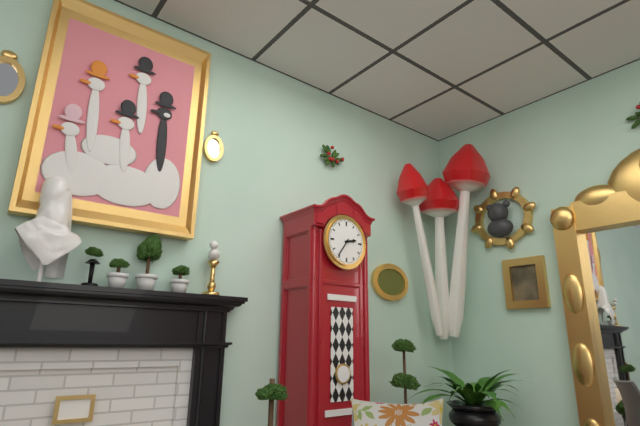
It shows 2,36
